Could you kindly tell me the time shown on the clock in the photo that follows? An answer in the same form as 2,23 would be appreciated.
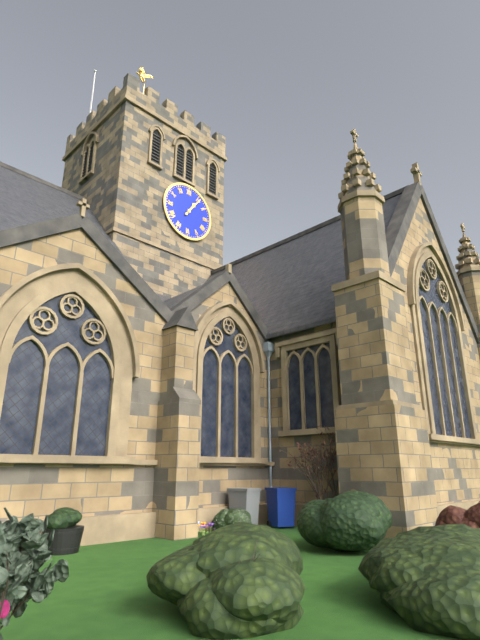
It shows 1,06
